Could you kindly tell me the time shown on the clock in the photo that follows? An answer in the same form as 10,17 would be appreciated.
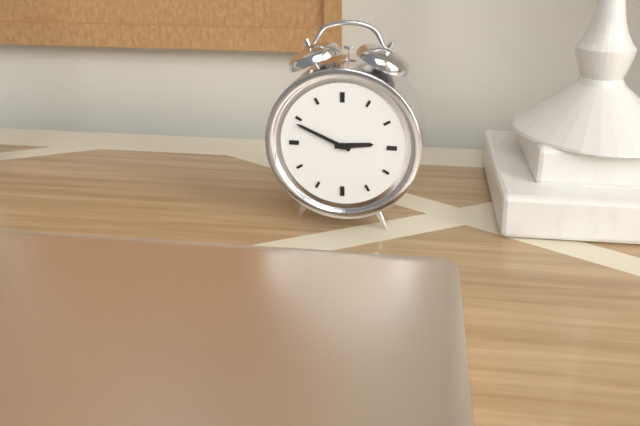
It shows 2,49
